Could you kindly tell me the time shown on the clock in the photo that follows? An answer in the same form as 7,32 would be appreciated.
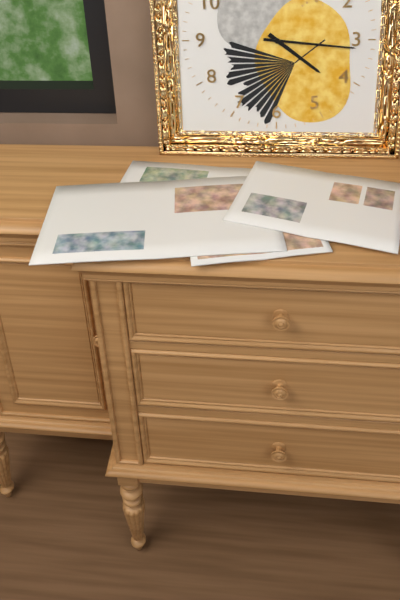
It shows 4,16
